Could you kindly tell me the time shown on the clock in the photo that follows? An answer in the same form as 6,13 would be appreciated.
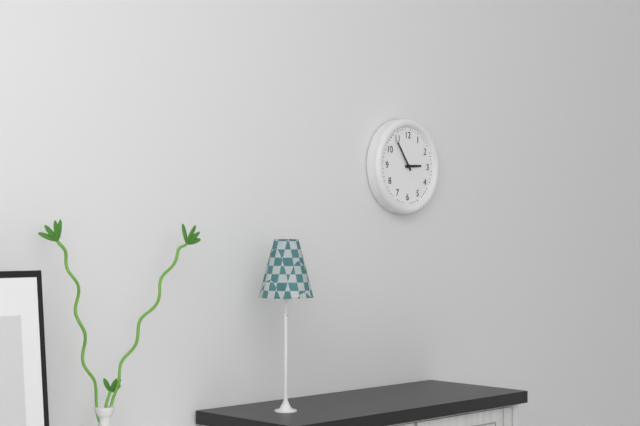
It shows 2,54
